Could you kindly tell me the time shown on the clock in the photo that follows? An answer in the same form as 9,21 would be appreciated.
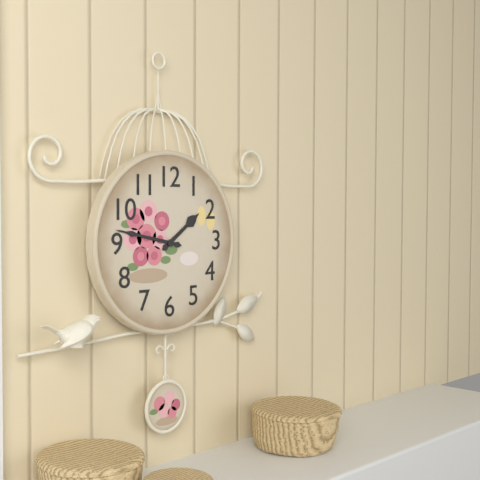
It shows 1,47
